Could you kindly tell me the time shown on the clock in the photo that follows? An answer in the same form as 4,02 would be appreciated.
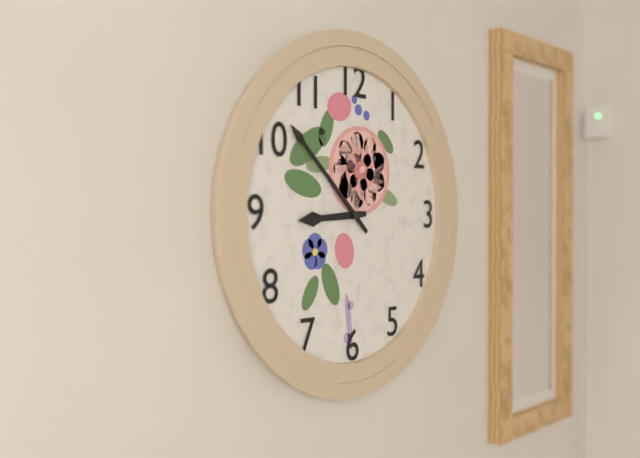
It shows 8,52
